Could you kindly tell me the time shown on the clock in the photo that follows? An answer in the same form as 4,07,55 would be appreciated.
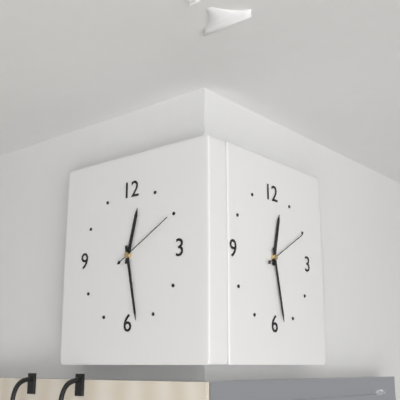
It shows 12,28,10
